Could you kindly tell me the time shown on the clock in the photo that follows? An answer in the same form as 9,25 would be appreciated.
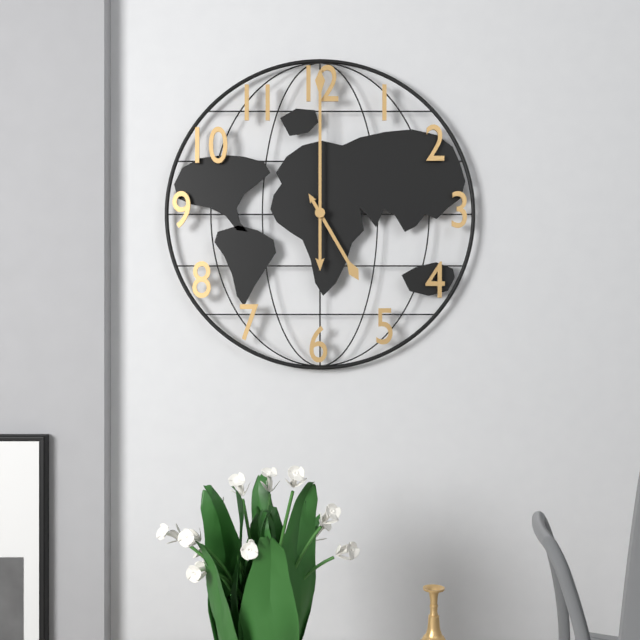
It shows 5,00
